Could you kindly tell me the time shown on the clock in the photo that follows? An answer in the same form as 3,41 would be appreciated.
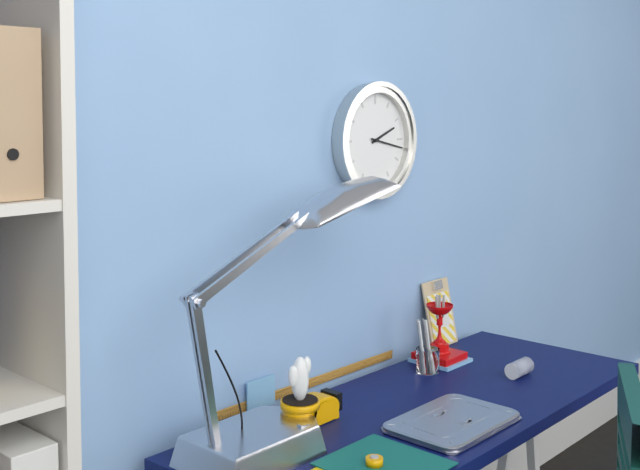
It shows 2,17
